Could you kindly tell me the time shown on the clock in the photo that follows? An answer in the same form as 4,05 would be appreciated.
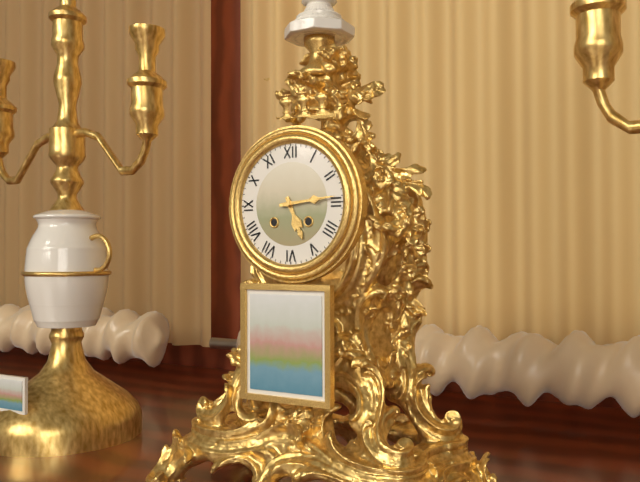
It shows 5,14
